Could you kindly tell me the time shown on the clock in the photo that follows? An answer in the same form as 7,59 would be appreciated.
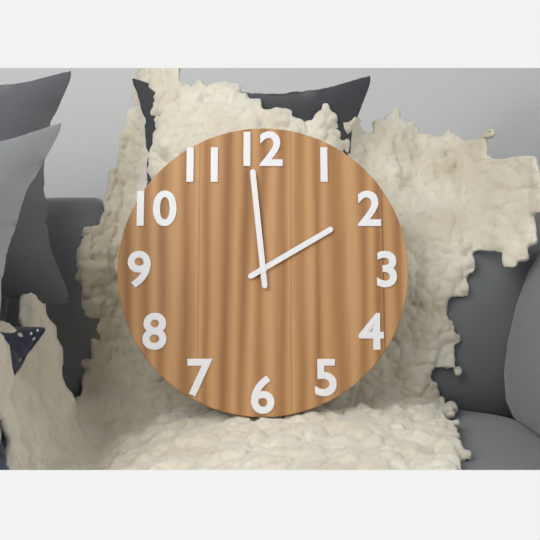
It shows 1,59
